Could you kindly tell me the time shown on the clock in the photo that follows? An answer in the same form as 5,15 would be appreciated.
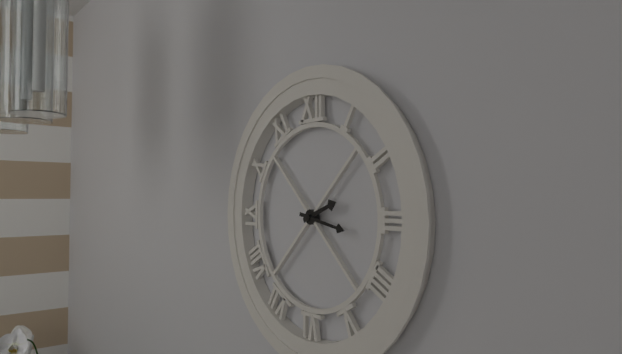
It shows 2,17
